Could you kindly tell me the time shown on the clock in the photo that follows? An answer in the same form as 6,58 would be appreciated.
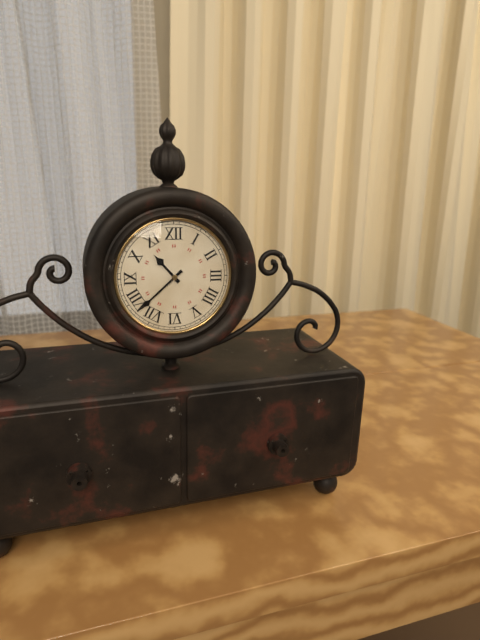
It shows 10,38
